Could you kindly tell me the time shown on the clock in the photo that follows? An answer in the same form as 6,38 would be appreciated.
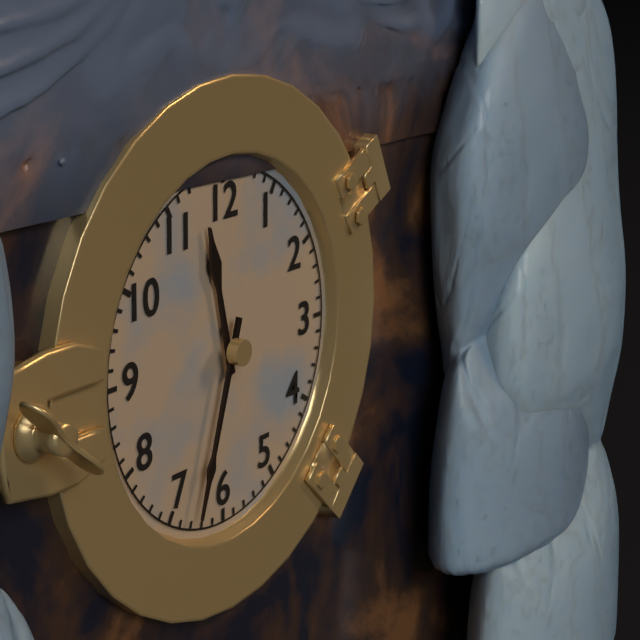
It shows 11,33
